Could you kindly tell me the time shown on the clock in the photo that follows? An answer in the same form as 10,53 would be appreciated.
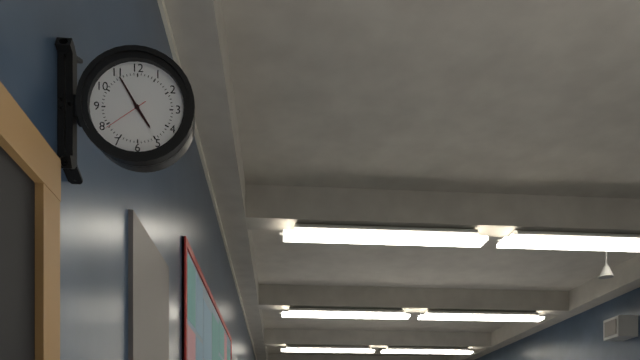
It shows 4,55
